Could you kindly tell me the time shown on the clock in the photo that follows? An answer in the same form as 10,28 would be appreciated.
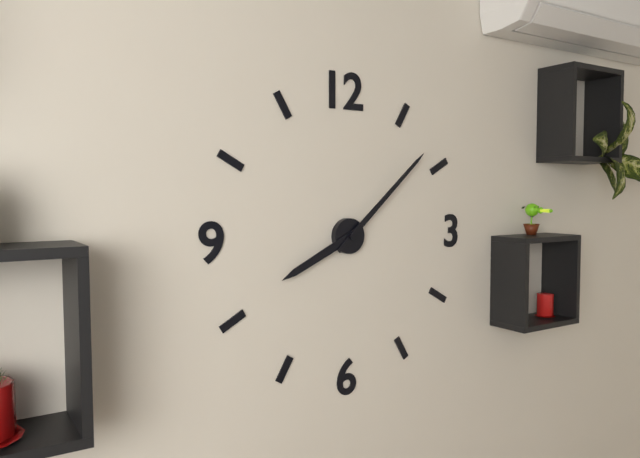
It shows 8,08
